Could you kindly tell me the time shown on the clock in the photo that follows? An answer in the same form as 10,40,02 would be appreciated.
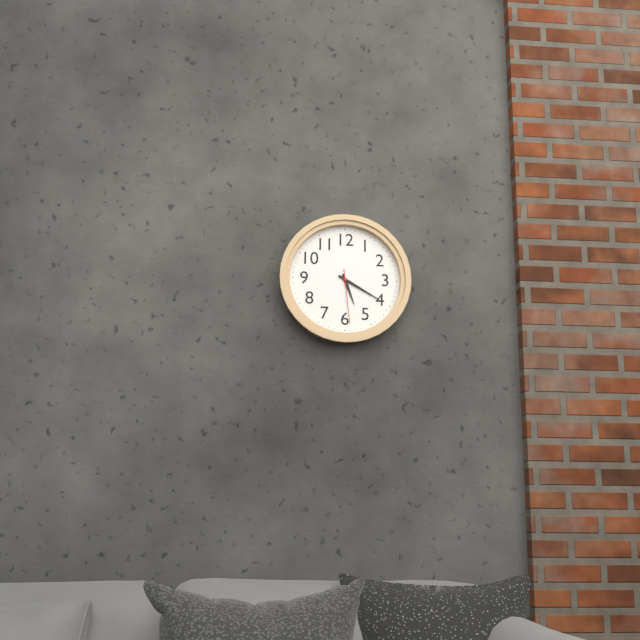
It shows 5,20,29
